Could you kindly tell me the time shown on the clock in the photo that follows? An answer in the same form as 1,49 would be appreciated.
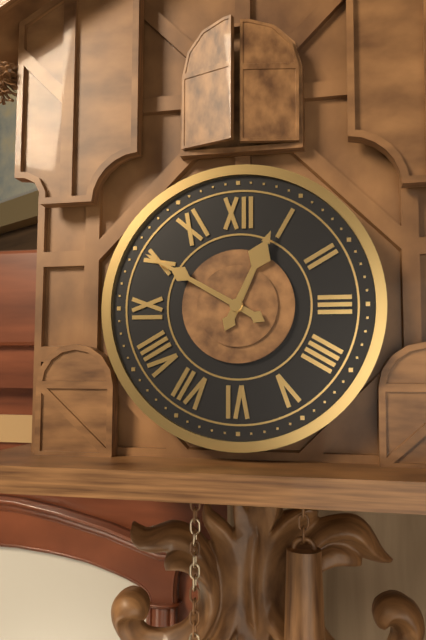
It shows 12,50
